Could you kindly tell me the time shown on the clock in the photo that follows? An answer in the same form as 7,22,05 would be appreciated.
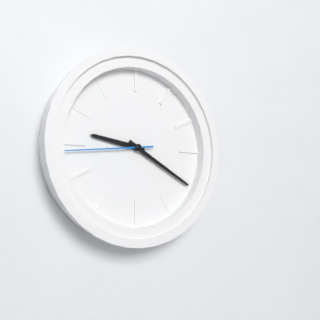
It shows 9,20,44
